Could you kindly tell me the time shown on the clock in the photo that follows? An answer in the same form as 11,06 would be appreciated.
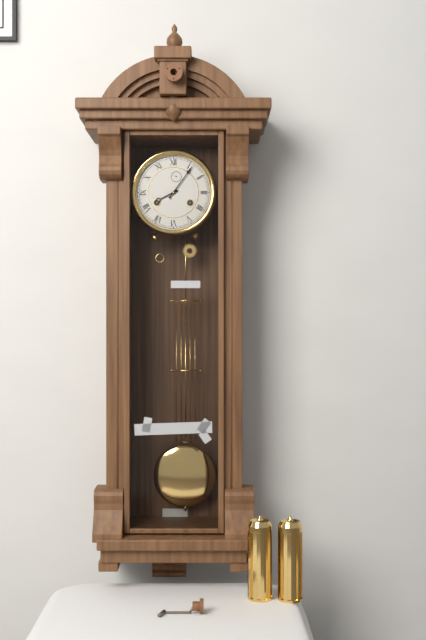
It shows 8,06
